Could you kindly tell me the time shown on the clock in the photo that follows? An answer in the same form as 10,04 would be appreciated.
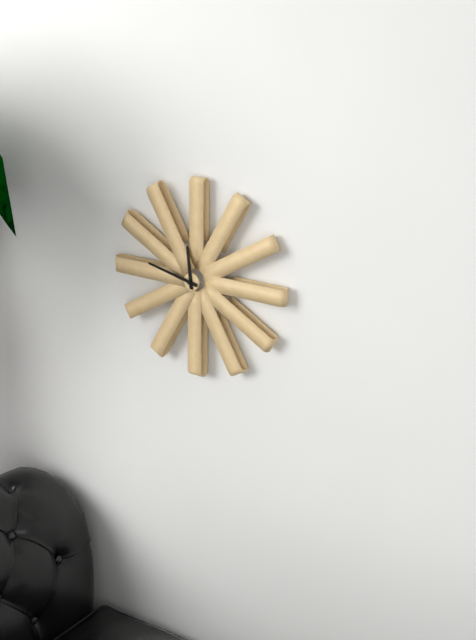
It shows 11,47
